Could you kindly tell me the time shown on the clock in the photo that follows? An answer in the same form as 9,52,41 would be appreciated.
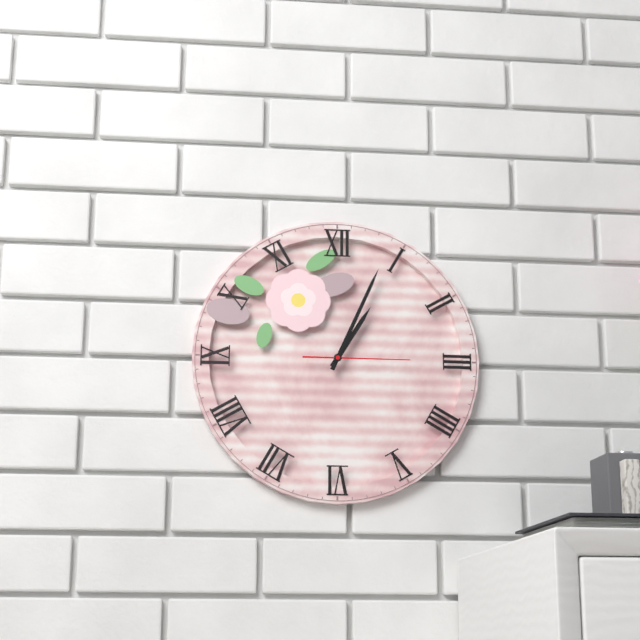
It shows 1,04,15
